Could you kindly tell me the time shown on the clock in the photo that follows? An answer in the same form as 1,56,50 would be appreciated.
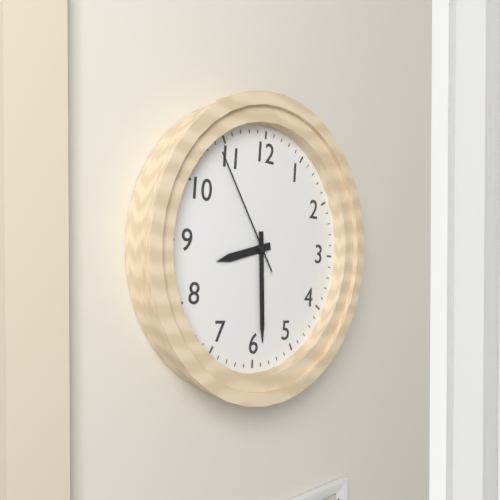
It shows 8,29,54
